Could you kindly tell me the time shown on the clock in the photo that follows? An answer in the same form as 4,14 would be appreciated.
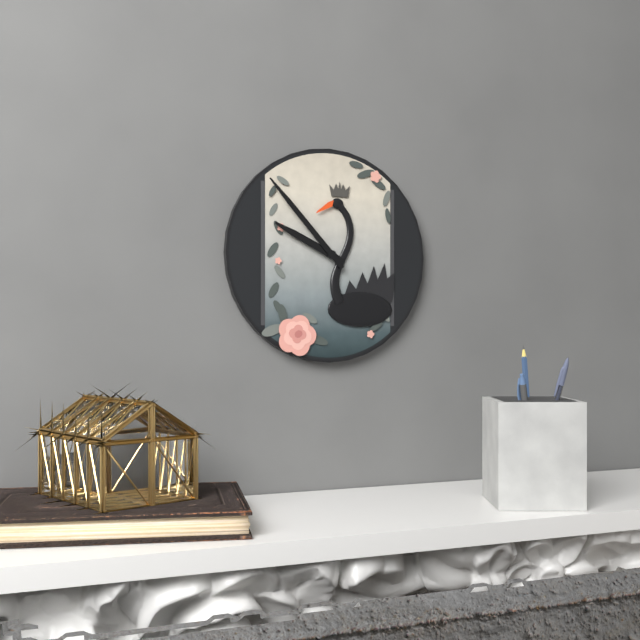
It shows 9,53
